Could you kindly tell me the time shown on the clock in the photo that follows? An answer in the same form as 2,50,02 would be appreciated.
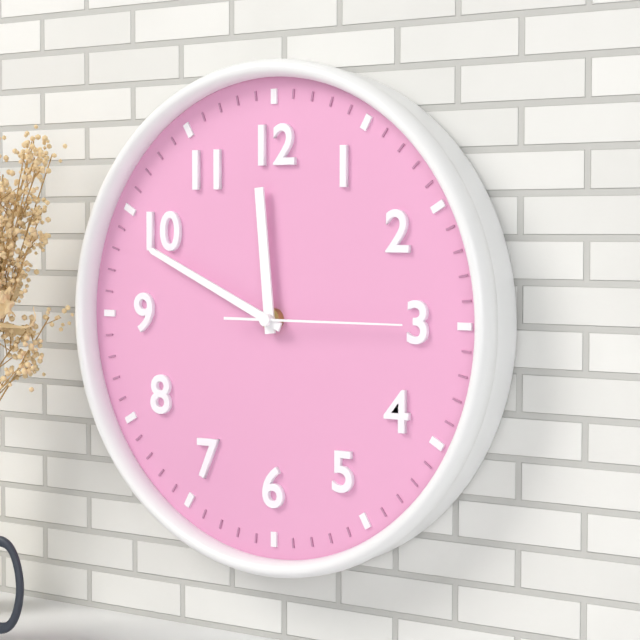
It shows 11,49,15
